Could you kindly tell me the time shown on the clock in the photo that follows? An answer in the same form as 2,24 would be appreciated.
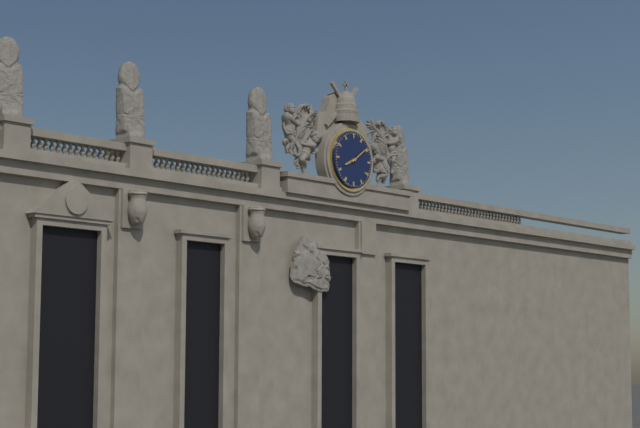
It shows 8,09
